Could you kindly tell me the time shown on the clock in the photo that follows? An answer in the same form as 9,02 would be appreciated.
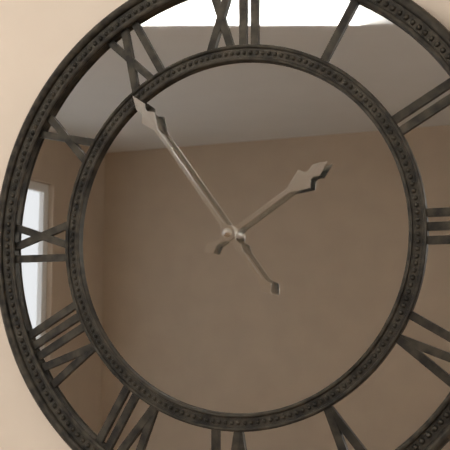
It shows 1,54
